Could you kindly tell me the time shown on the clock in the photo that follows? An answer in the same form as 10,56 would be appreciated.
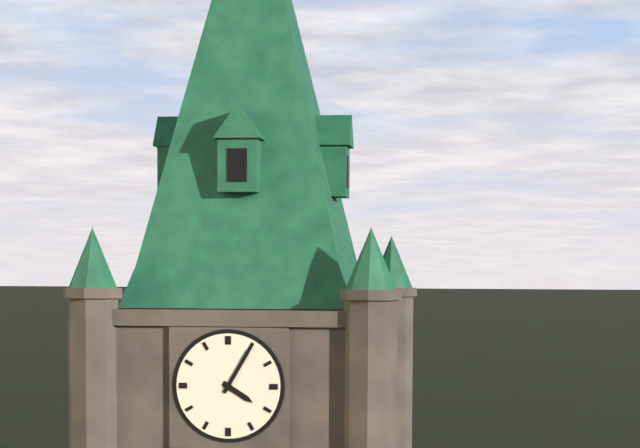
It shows 4,05
